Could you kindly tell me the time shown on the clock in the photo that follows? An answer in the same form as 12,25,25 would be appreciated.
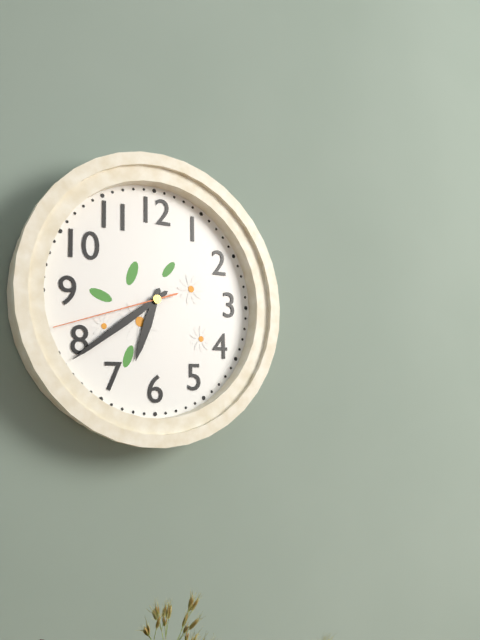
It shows 6,39,42
